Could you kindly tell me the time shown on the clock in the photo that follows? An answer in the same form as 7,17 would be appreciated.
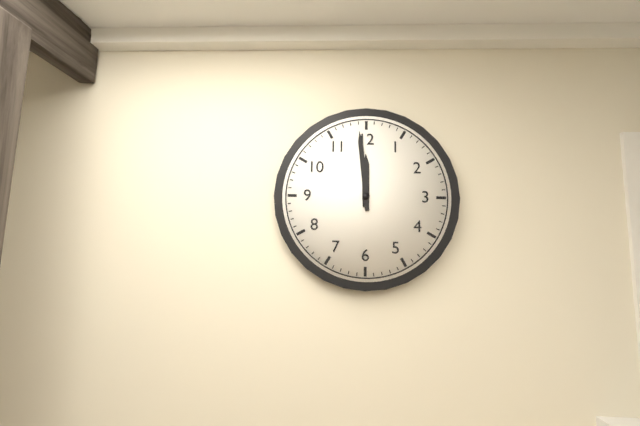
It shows 11,59
